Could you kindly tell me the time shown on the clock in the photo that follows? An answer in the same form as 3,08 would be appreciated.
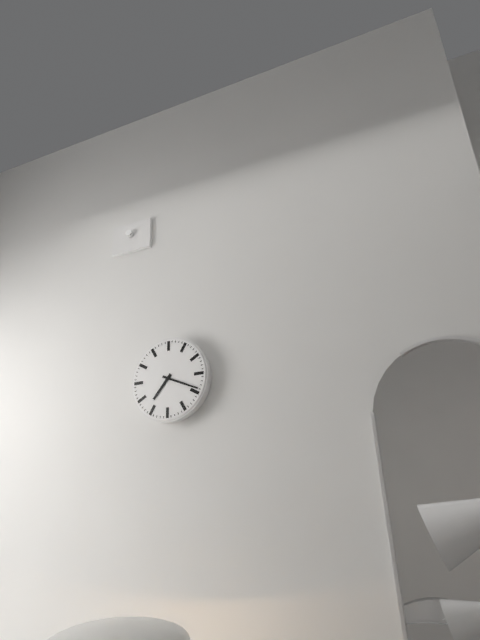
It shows 7,19
